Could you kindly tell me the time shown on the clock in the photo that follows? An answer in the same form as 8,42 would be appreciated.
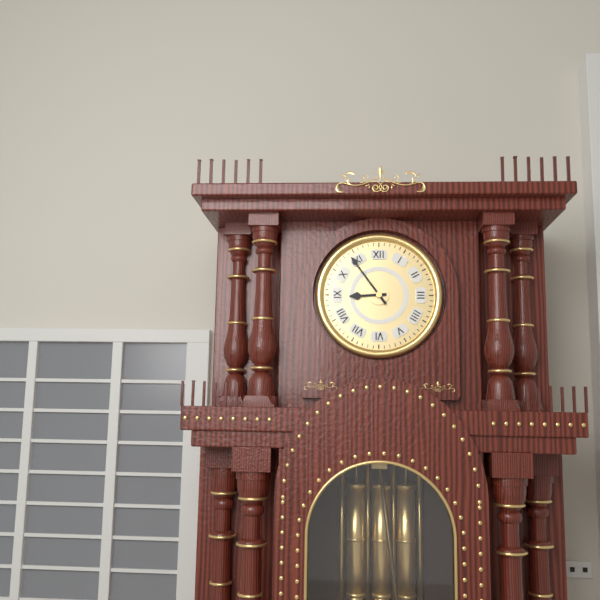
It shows 8,54
